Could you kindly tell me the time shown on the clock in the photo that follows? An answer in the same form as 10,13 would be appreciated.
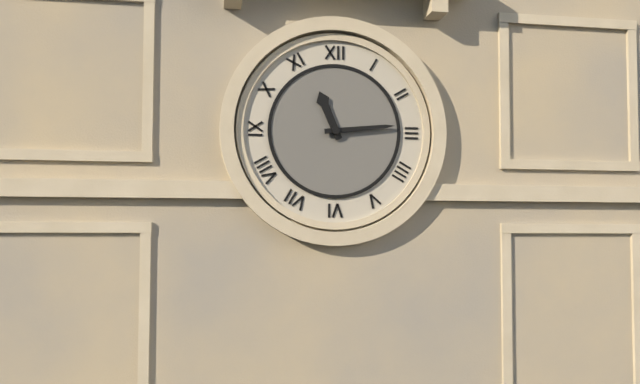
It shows 11,14
